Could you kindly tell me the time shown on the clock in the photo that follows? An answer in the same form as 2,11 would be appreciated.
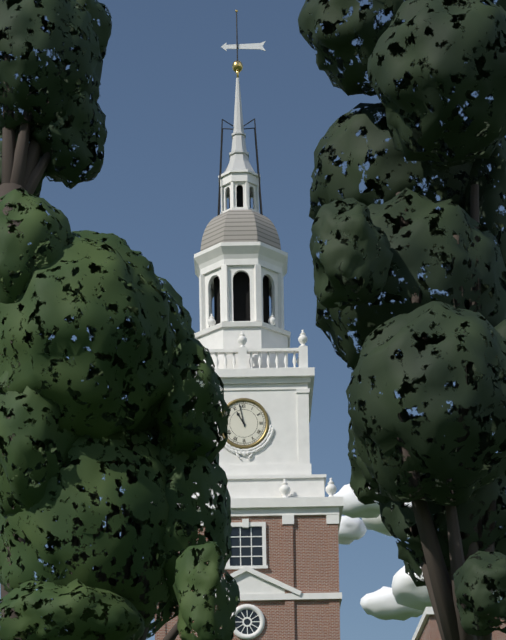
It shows 10,58
